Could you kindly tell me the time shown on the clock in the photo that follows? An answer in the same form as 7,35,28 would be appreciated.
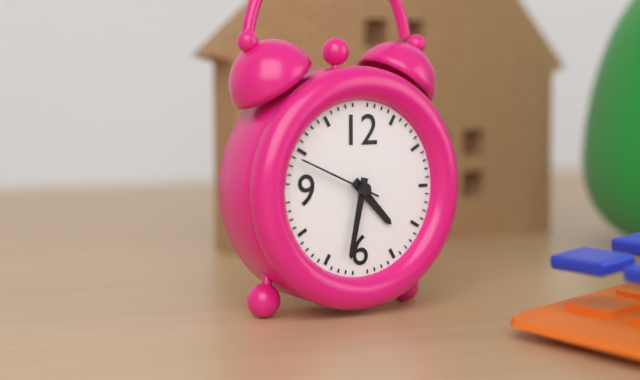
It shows 4,32,49
